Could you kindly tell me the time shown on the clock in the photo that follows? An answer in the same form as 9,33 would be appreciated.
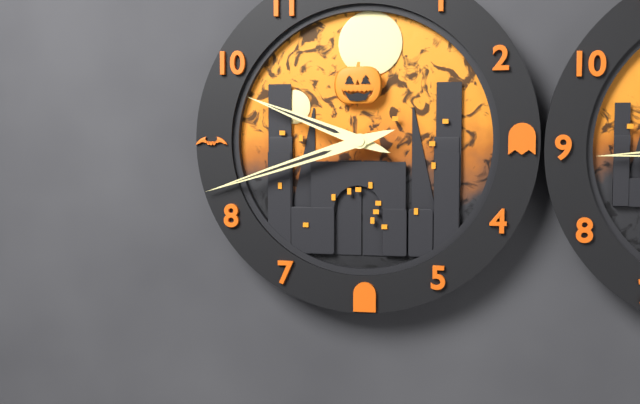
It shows 9,42
